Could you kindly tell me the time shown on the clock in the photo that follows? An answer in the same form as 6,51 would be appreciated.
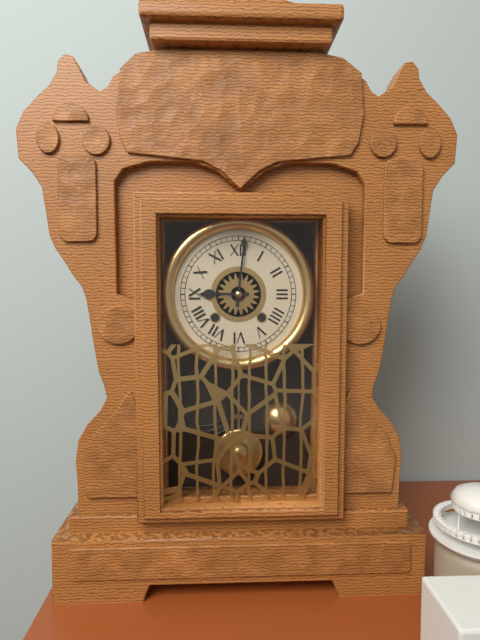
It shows 9,01
